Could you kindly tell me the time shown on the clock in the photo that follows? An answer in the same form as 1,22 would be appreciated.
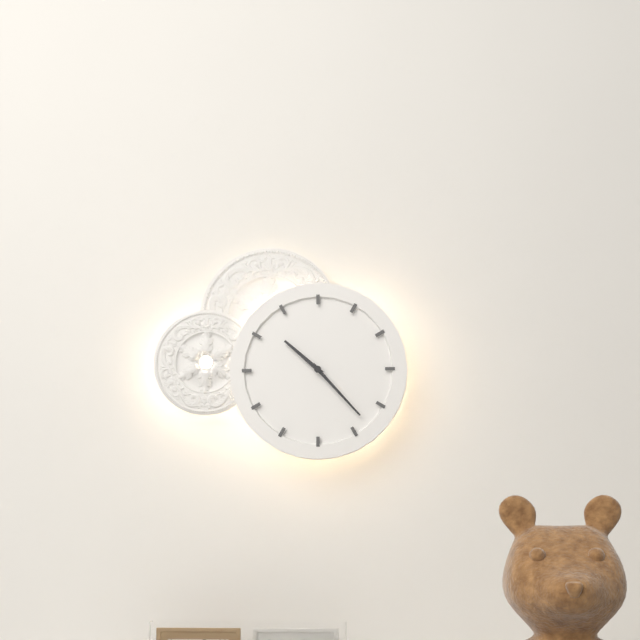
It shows 10,23
